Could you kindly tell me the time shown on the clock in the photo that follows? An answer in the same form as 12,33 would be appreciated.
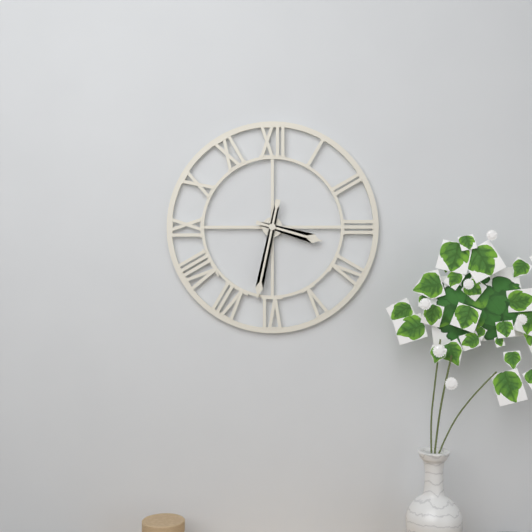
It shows 3,32
